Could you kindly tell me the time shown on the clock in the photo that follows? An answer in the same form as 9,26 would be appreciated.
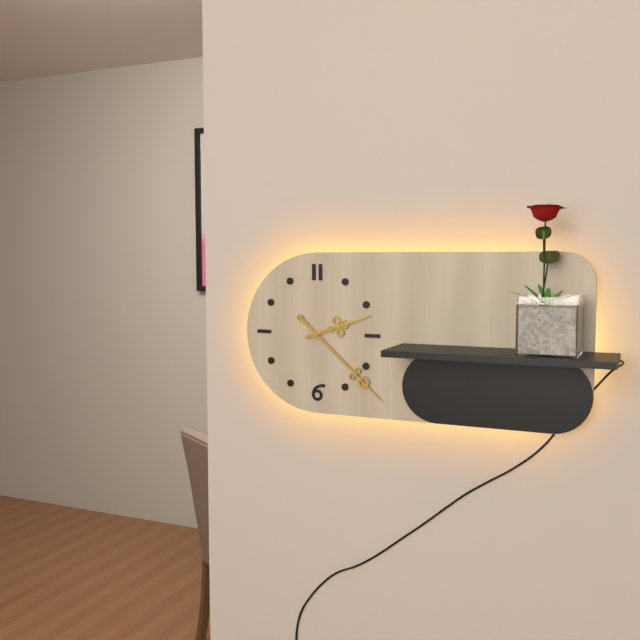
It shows 2,22
